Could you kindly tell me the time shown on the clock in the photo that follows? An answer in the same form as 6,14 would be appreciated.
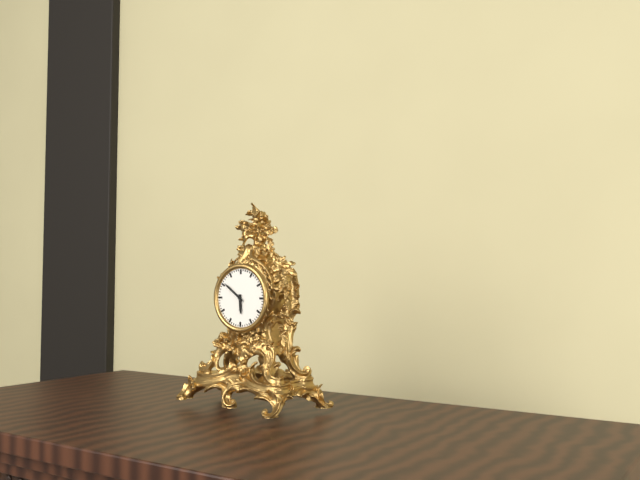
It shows 5,51
